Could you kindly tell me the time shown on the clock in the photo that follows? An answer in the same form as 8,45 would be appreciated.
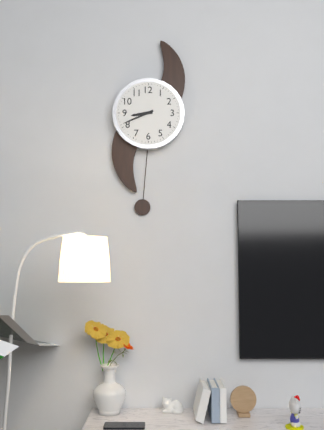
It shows 8,41
